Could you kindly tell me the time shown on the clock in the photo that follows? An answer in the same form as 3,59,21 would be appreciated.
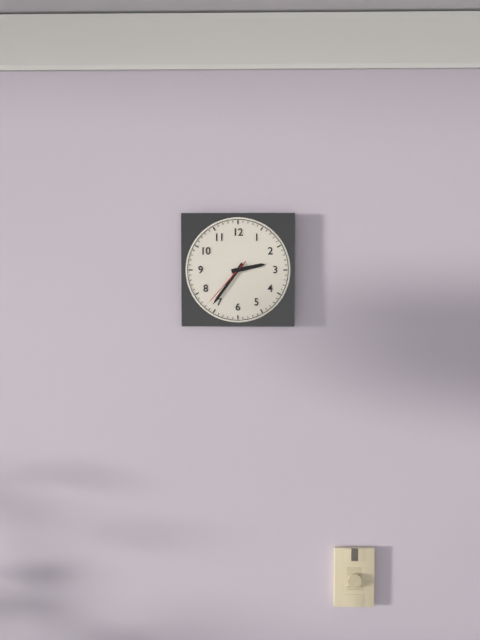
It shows 2,36,37
